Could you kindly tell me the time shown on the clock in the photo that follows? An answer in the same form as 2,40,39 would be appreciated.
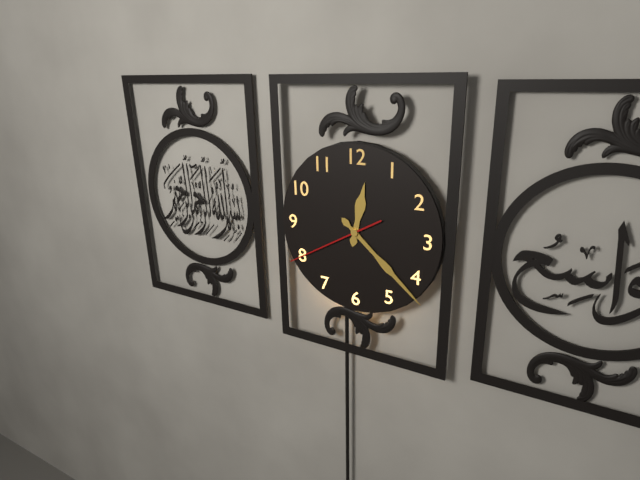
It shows 12,22,40
